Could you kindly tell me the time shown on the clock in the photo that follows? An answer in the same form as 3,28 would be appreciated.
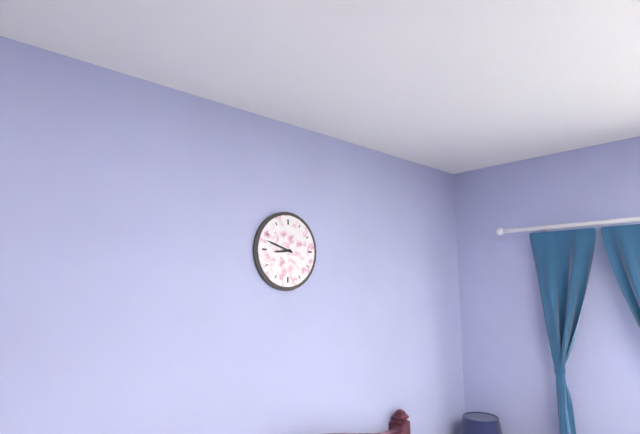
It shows 8,48
